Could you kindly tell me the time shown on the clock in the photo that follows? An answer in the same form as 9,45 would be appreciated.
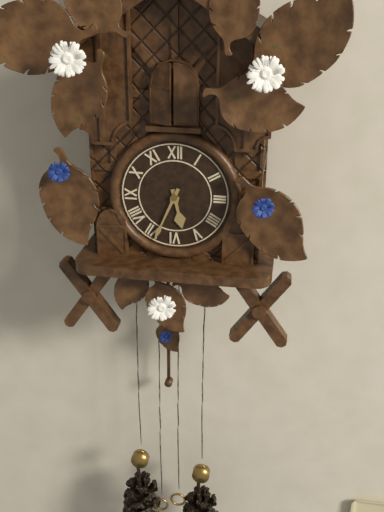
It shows 5,34
